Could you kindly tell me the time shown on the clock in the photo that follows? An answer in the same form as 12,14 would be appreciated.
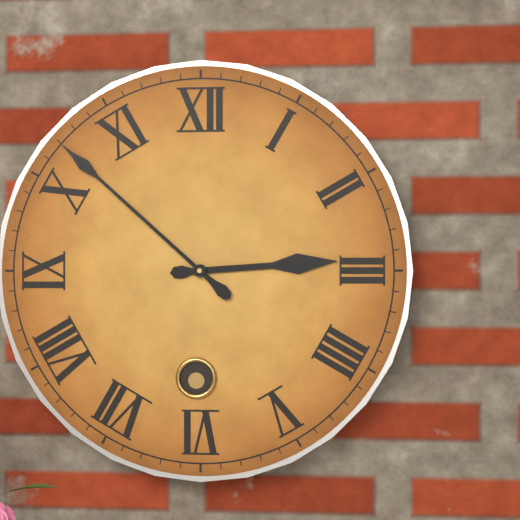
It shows 2,52
